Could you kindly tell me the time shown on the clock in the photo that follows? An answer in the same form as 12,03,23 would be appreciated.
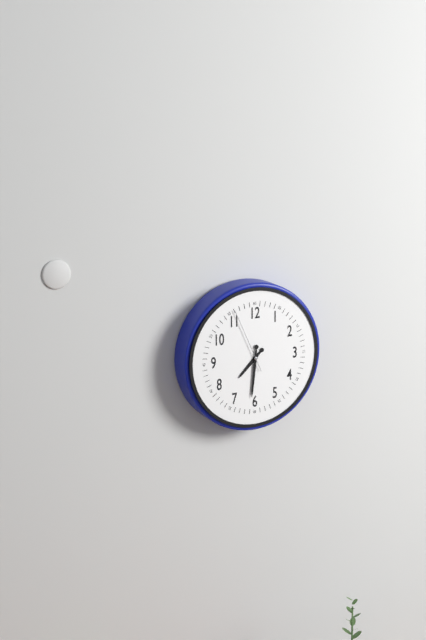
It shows 7,31,56
